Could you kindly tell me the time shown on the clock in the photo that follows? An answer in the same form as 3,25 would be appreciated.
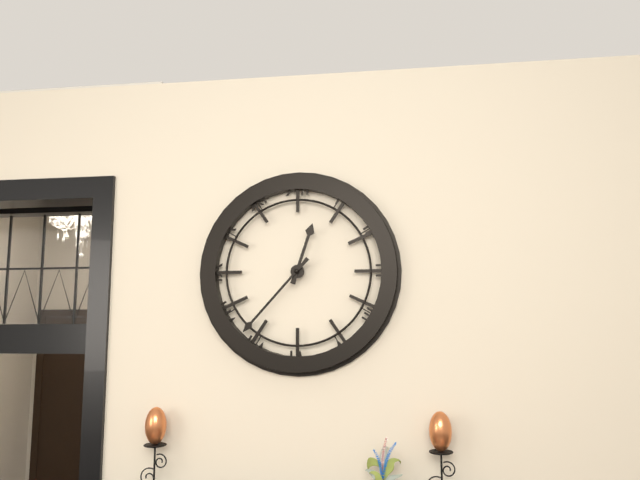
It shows 12,37
